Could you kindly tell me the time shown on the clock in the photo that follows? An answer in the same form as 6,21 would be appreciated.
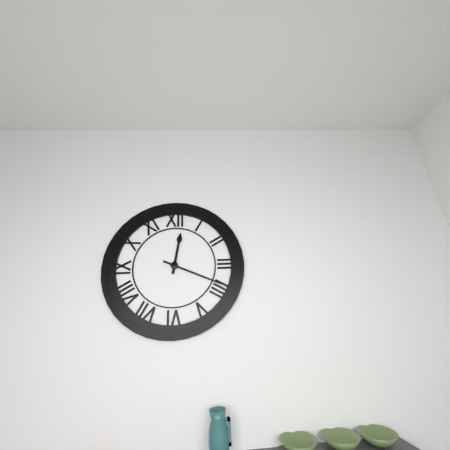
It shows 12,19
